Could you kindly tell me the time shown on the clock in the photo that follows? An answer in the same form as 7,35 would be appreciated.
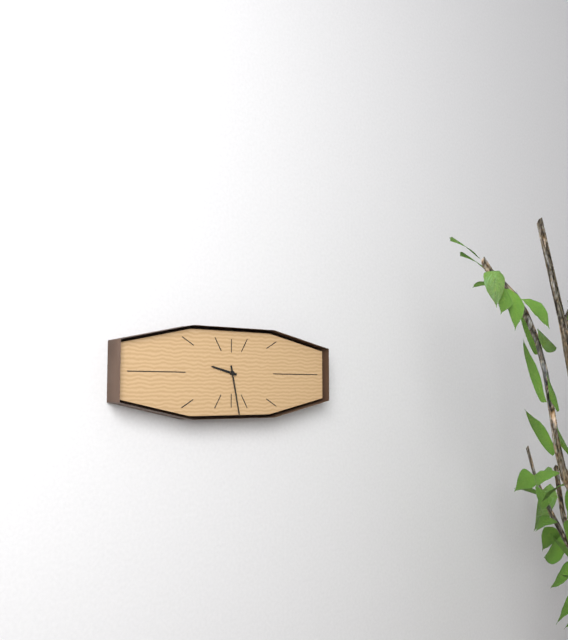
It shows 9,28
